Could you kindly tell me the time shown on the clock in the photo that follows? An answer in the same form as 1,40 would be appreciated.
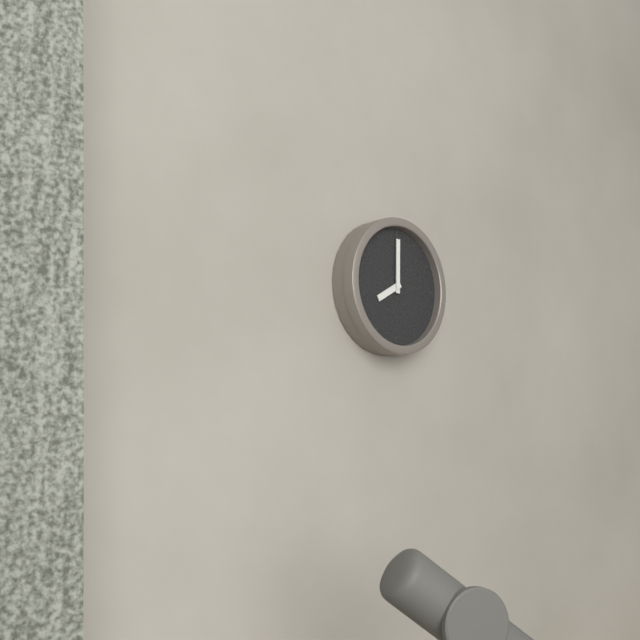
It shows 8,00
